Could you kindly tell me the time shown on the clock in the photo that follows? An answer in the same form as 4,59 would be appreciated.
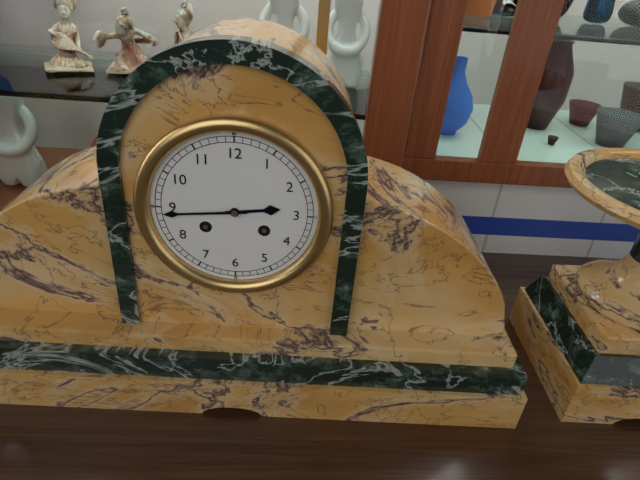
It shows 2,44
